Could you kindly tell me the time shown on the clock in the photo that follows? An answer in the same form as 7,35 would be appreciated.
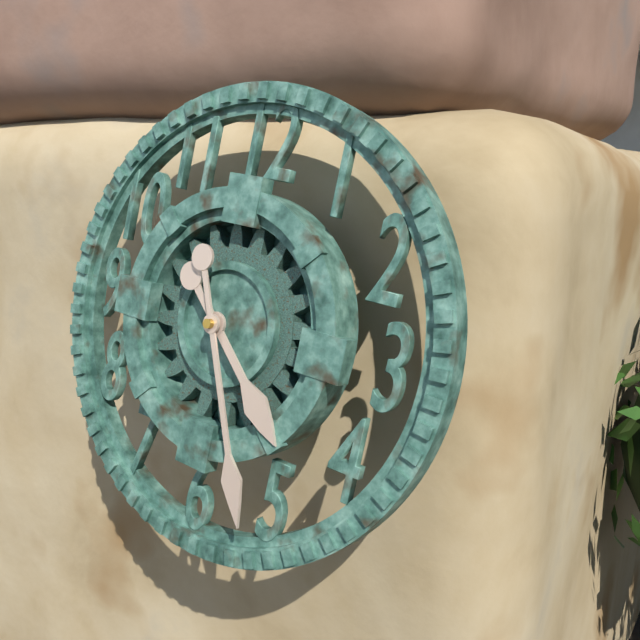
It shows 4,26
